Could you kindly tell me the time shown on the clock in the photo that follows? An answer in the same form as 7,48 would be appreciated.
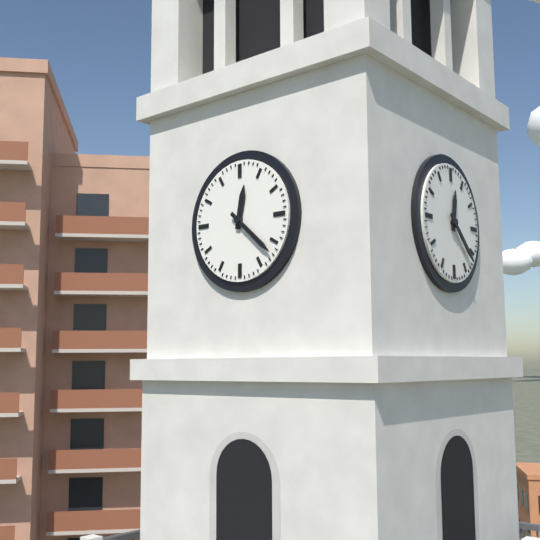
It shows 12,22
